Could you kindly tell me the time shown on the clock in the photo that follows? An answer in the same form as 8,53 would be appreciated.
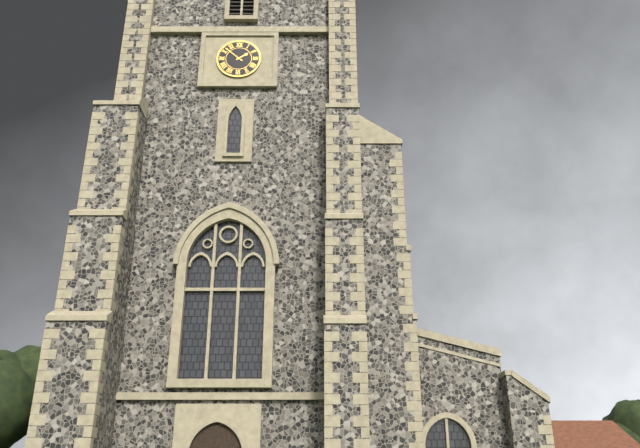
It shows 1,52
